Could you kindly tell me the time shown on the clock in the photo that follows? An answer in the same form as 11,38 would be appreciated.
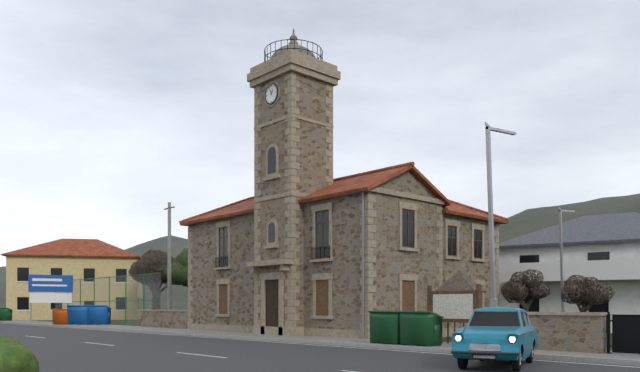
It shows 12,57
